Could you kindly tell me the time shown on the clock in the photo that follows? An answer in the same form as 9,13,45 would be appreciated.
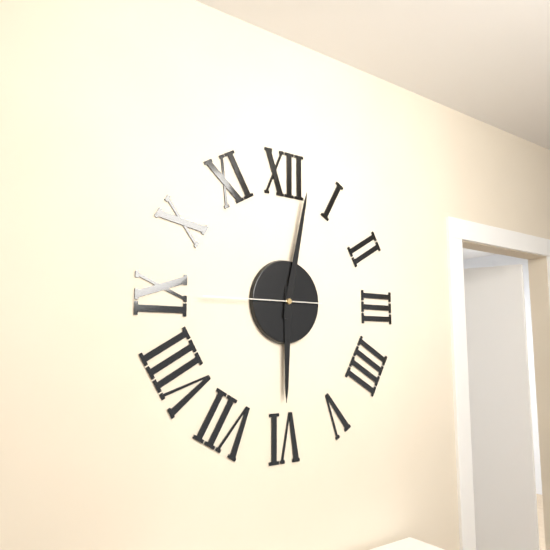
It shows 6,02,45
